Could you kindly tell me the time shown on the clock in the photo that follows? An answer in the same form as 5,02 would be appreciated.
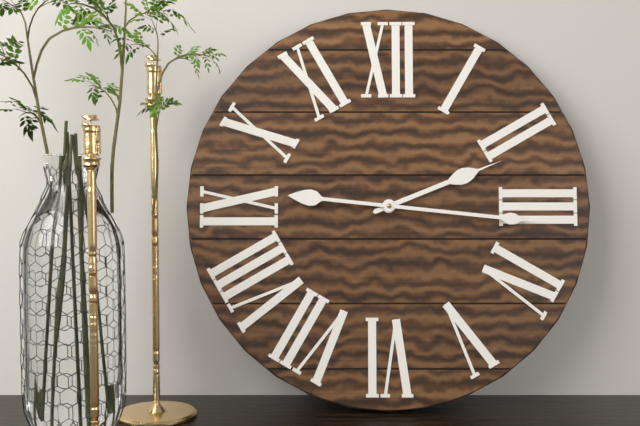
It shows 2,16
